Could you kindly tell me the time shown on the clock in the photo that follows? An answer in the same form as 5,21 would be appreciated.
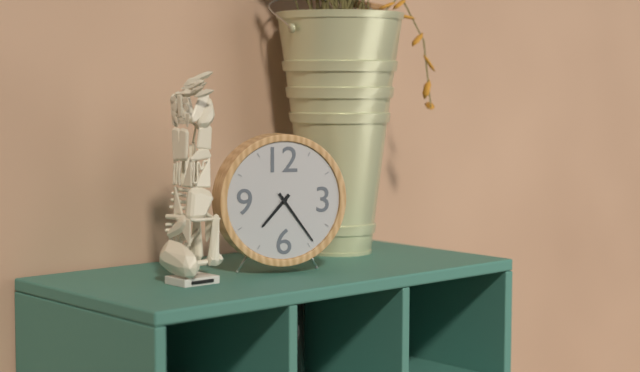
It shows 7,24
